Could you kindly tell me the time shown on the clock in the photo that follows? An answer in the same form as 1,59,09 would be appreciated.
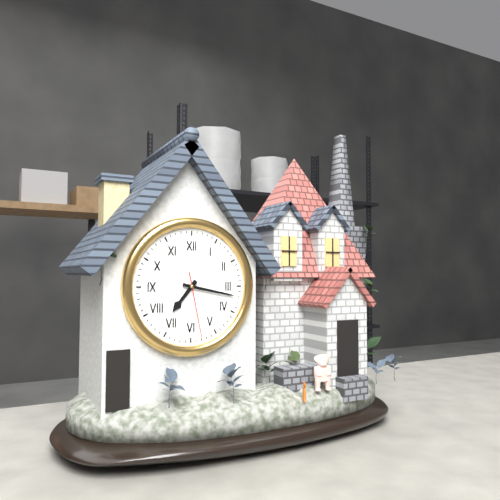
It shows 7,17,28
